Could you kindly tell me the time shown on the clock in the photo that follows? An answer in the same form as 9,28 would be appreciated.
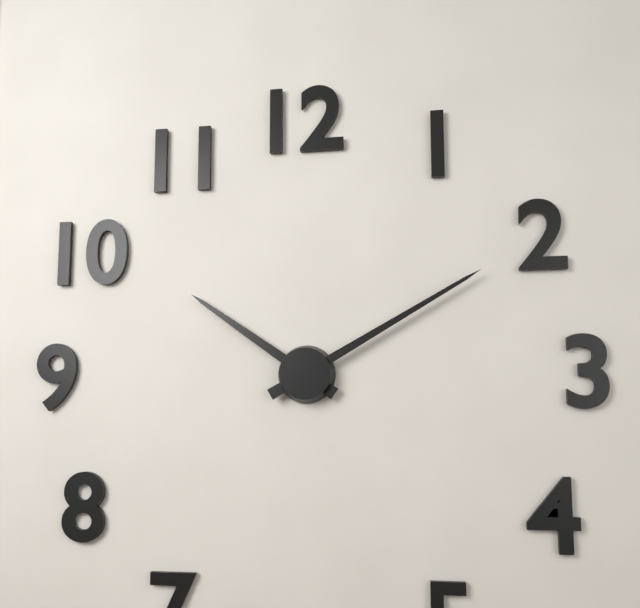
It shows 10,10
